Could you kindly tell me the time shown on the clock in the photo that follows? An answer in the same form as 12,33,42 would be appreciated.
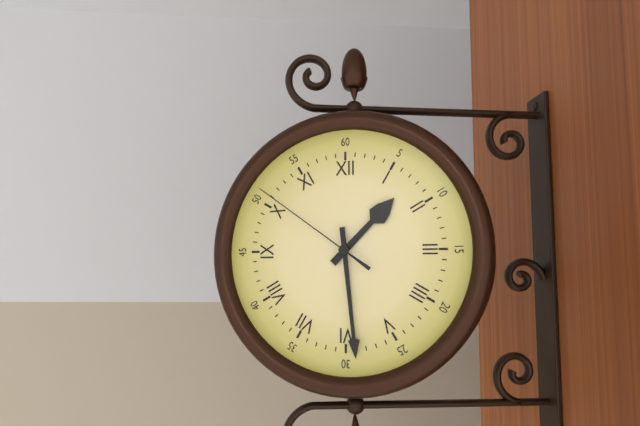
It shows 1,29,51
